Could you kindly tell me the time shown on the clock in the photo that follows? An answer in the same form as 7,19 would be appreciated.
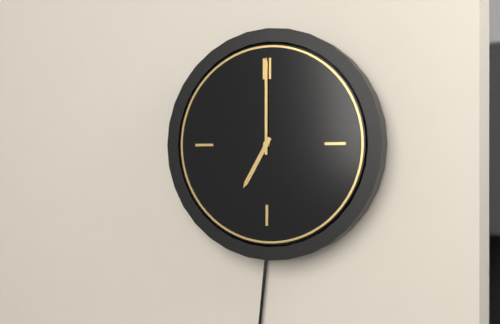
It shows 7,00
